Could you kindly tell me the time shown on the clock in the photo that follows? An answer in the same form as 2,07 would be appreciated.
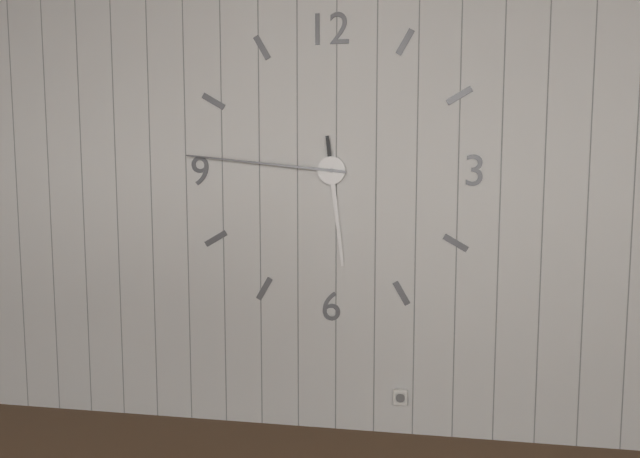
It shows 5,46
